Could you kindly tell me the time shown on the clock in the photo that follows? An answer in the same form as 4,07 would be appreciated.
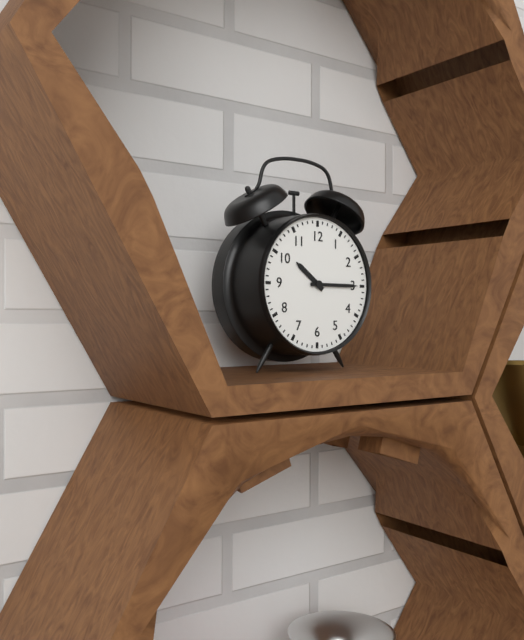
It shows 10,15
